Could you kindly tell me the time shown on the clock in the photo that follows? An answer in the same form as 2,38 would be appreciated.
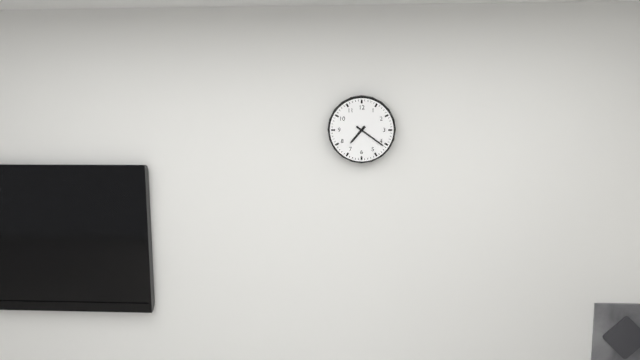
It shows 7,21
